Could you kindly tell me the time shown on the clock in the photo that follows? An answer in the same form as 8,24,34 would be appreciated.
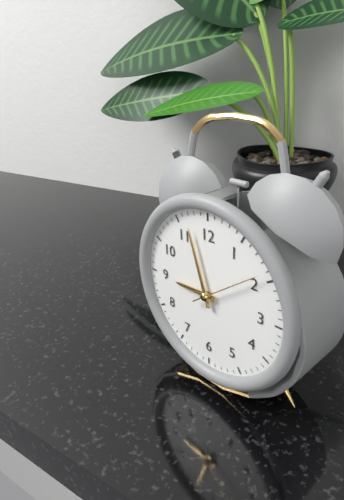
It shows 8,57,09
